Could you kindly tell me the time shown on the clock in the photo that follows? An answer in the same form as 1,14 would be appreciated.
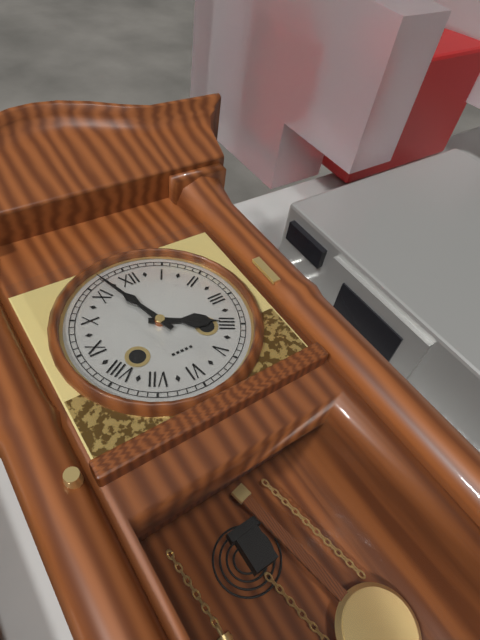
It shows 3,57
